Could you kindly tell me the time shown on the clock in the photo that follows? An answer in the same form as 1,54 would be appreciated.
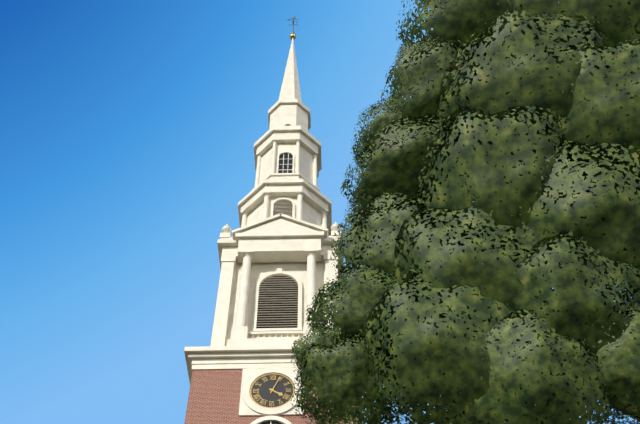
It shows 4,04
